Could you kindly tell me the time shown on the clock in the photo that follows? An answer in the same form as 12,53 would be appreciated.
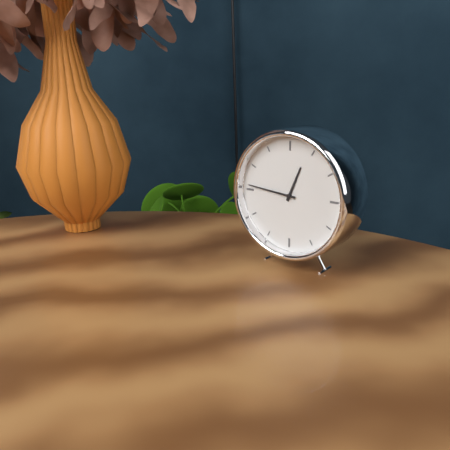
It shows 12,46
